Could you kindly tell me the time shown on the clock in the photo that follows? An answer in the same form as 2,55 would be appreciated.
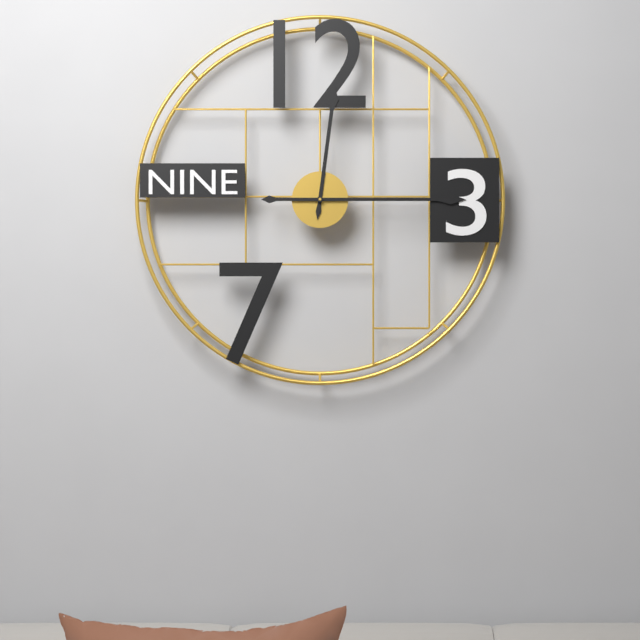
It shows 12,15
